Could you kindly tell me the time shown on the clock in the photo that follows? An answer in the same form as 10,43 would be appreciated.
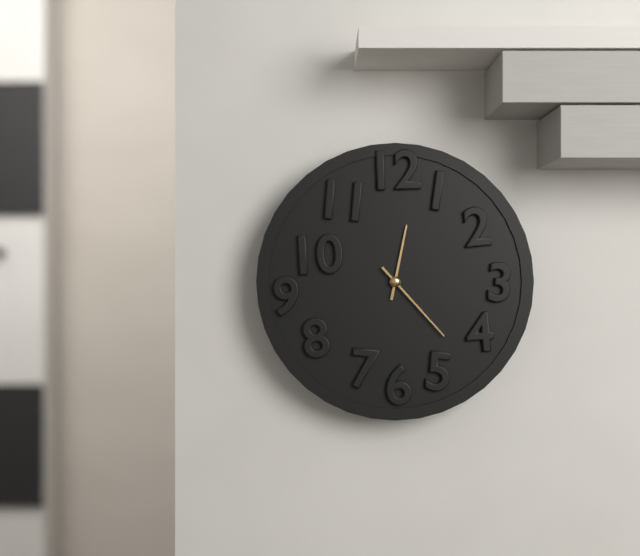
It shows 12,23
